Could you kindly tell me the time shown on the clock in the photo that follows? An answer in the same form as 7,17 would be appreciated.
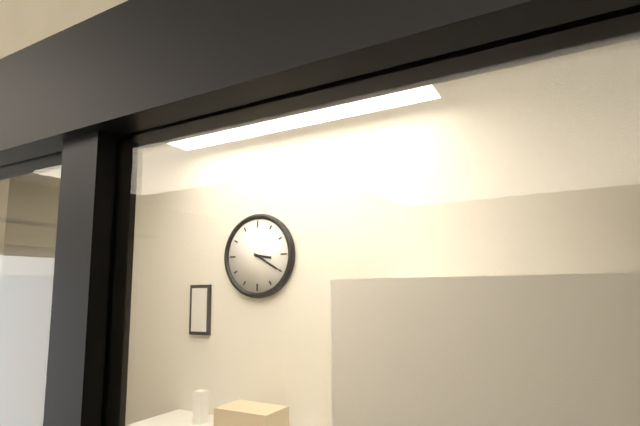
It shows 3,20
